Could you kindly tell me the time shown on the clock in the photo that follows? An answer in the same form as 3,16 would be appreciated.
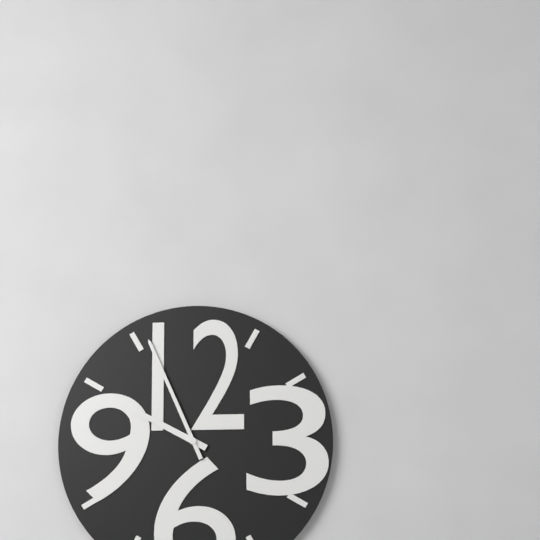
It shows 9,56
